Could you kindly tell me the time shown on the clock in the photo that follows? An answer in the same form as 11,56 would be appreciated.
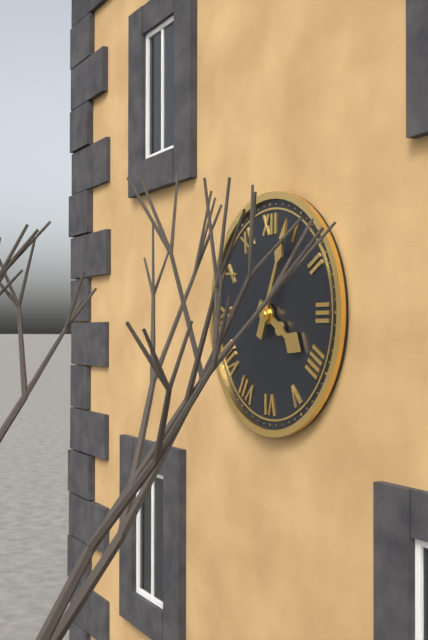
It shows 4,04
